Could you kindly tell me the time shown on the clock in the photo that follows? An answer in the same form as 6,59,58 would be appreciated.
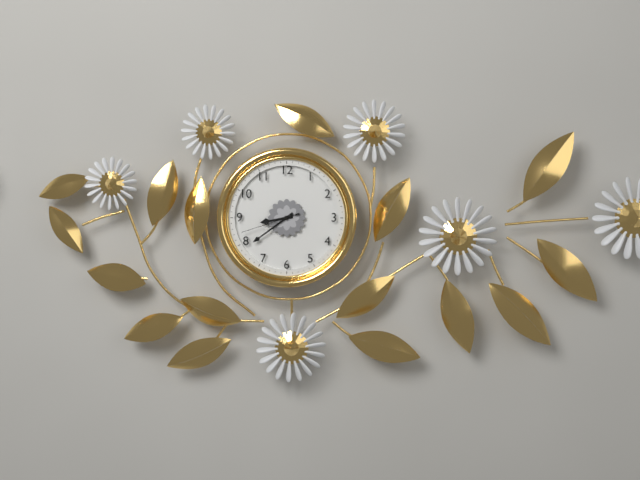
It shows 8,39,42
